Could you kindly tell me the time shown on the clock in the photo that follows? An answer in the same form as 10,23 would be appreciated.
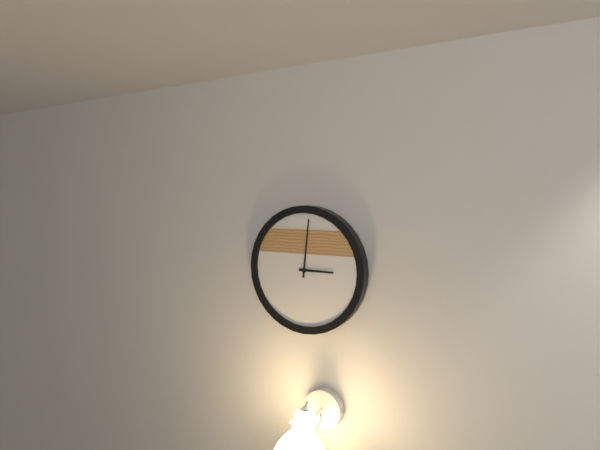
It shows 3,01
